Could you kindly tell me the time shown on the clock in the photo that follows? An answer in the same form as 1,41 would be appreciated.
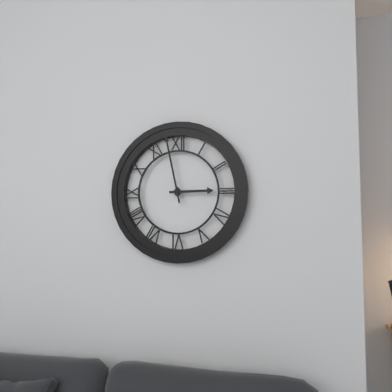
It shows 2,58
